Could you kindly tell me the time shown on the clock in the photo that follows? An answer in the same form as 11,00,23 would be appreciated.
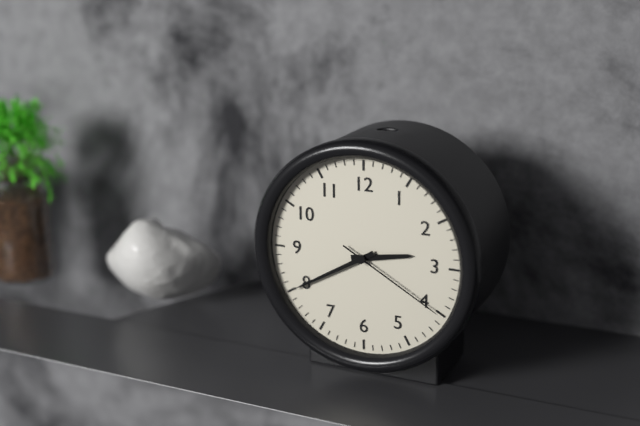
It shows 2,40,20
